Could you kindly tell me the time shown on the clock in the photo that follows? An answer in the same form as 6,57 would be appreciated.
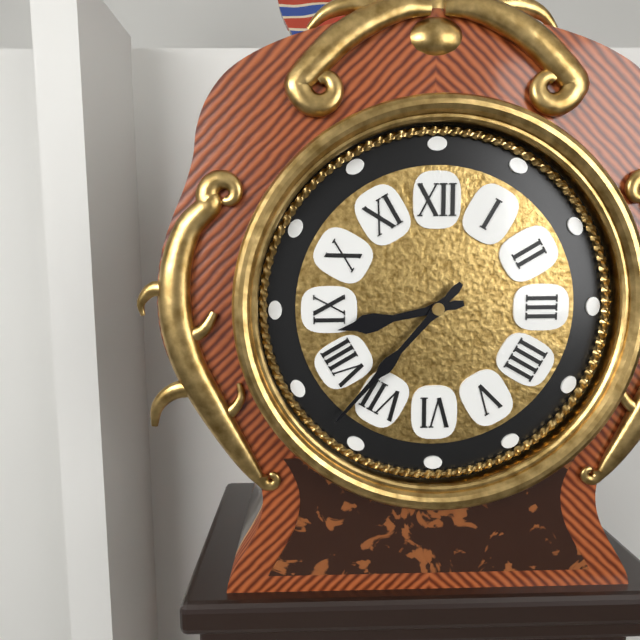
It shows 8,37
